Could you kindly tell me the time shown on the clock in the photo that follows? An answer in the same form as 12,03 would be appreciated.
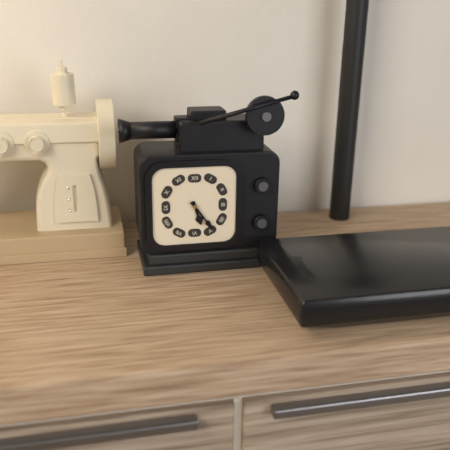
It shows 5,24
